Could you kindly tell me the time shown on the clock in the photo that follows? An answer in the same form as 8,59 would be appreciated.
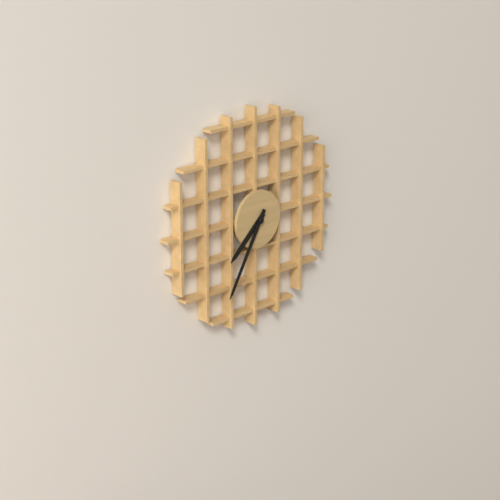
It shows 7,35
